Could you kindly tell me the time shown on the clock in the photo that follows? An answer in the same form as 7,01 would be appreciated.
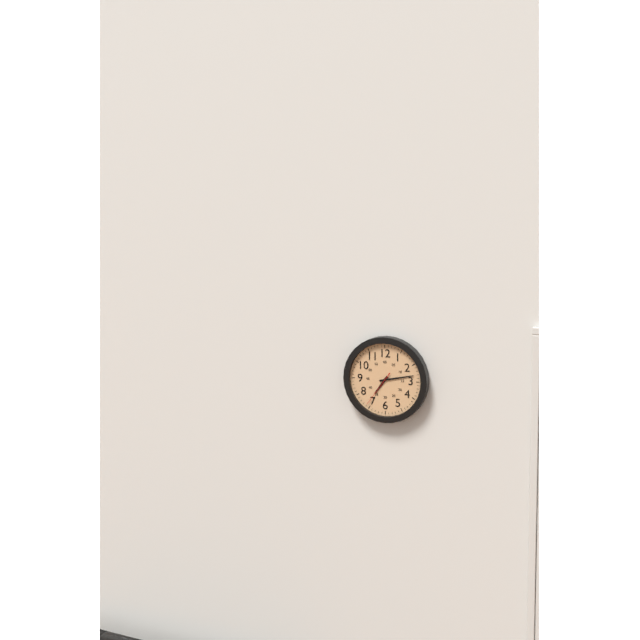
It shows 7,13
